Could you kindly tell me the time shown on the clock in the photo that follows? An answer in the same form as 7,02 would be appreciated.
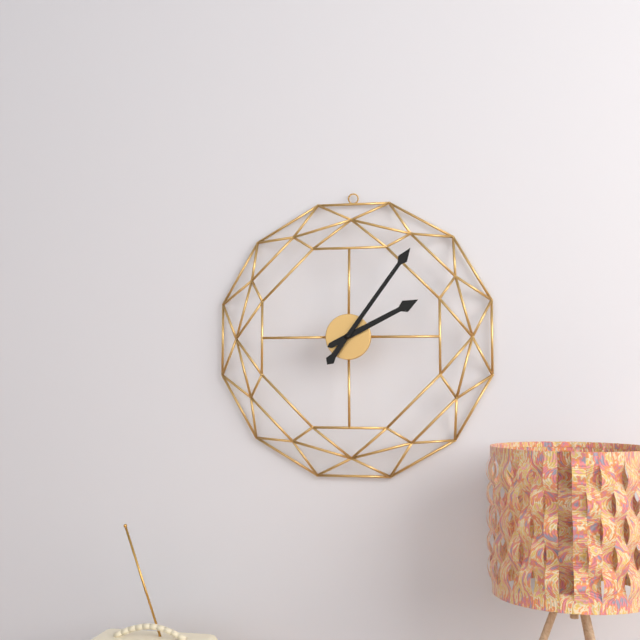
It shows 2,06
